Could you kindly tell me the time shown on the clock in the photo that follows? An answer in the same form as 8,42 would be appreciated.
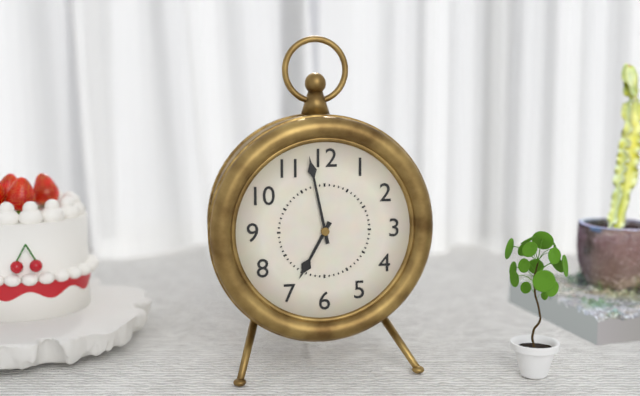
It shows 6,58
